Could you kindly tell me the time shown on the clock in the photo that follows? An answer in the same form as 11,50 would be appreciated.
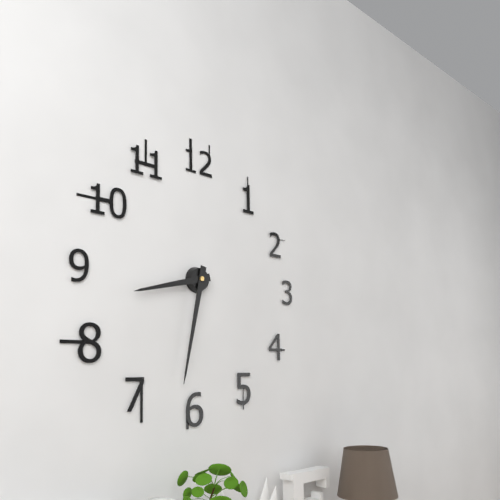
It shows 8,32
